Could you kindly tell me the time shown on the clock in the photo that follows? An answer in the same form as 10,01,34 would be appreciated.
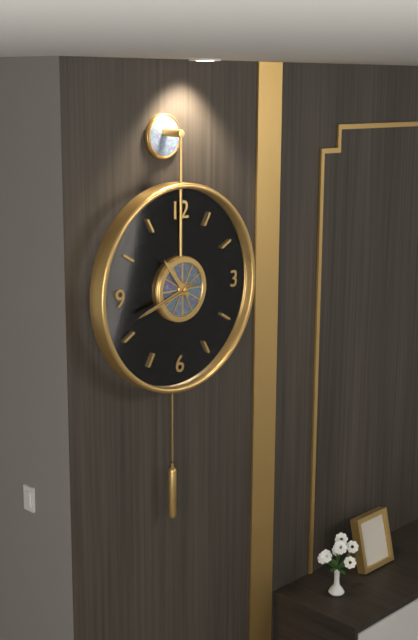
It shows 10,42,42
